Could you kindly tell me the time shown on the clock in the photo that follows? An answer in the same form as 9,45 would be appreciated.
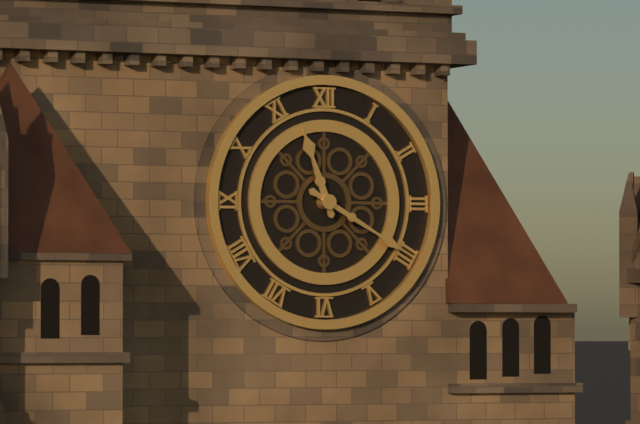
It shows 11,20
